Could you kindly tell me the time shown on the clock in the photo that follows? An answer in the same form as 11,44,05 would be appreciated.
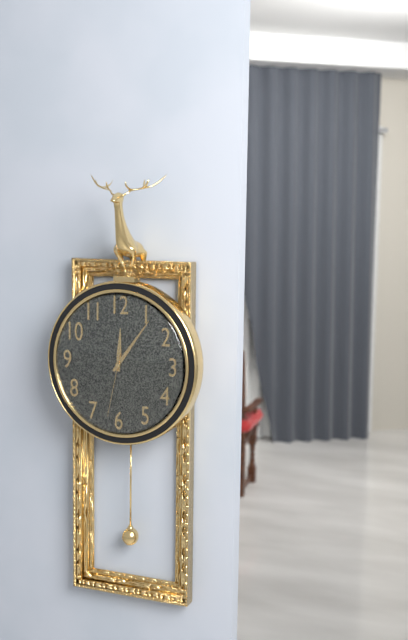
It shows 12,06,32
